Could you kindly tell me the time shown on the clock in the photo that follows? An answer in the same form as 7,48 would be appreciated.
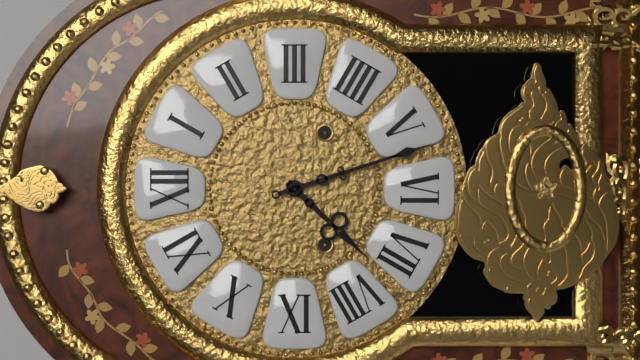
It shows 7,27
